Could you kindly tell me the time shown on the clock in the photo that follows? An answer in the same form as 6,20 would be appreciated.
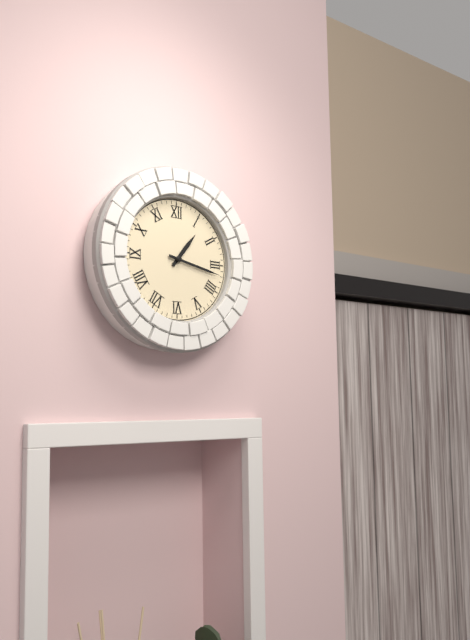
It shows 1,17
